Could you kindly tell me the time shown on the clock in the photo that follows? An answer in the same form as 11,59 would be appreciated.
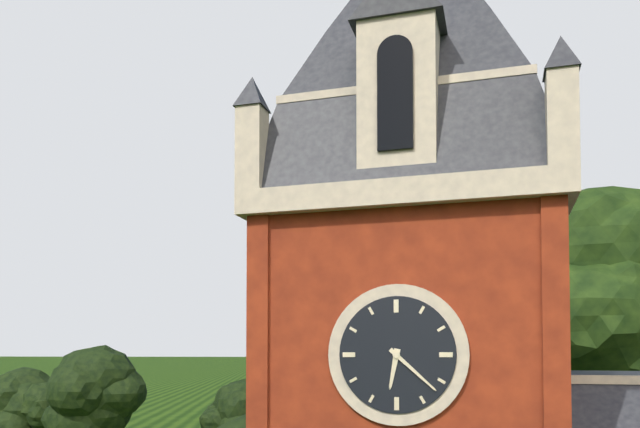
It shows 6,22
